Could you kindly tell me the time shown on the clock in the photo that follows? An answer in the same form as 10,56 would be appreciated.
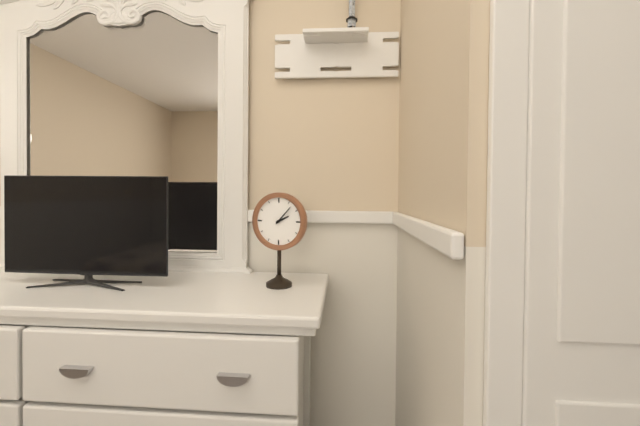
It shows 2,07
